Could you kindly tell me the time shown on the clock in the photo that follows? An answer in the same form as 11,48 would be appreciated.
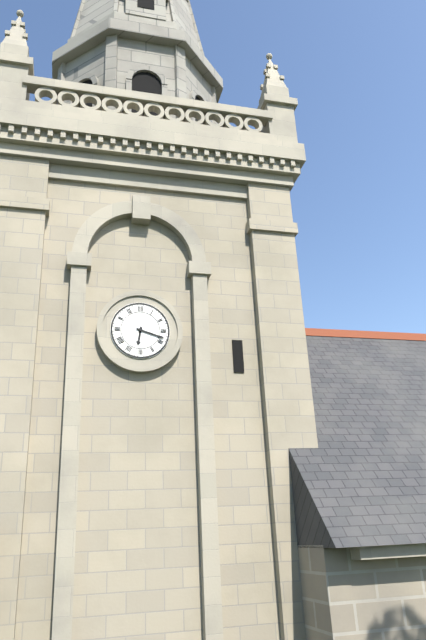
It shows 6,18
